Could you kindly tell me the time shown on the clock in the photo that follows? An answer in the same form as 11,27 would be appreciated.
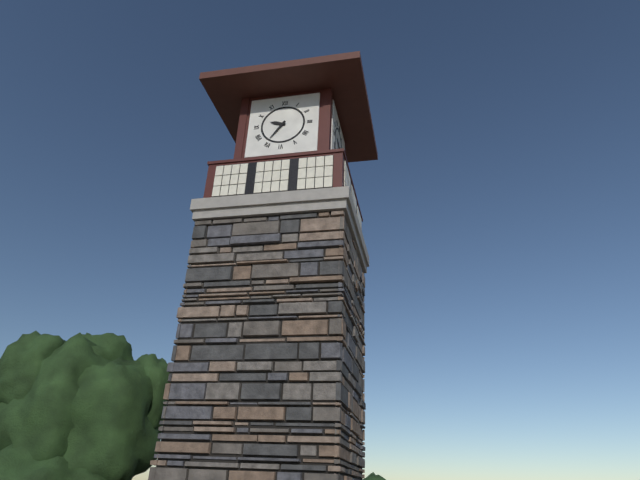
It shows 9,36
